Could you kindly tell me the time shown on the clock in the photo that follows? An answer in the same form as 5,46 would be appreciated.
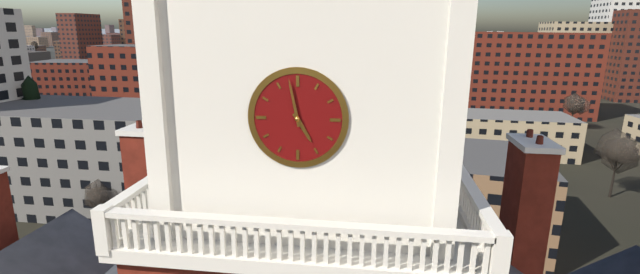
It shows 4,58
